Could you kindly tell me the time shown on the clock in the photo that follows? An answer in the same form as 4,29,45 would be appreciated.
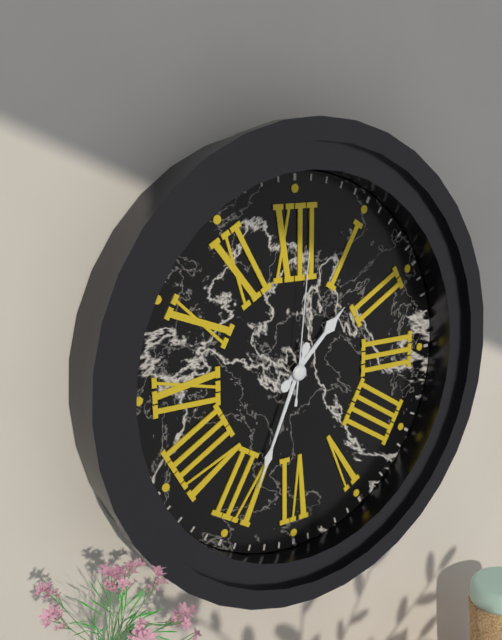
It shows 1,34,01
